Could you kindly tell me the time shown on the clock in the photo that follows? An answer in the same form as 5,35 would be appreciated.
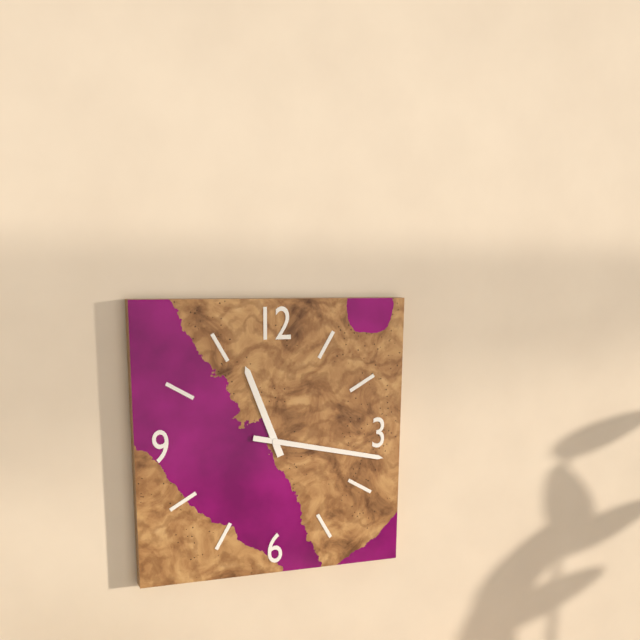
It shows 11,17
